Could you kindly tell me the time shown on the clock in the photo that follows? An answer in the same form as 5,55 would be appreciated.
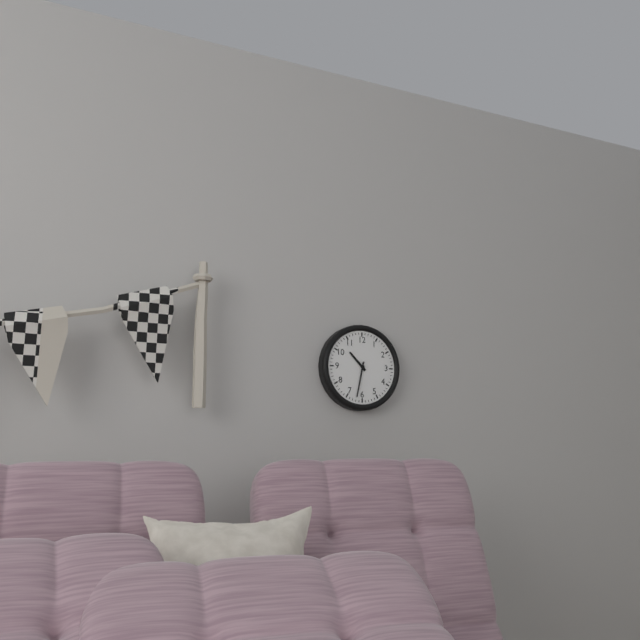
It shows 10,32
